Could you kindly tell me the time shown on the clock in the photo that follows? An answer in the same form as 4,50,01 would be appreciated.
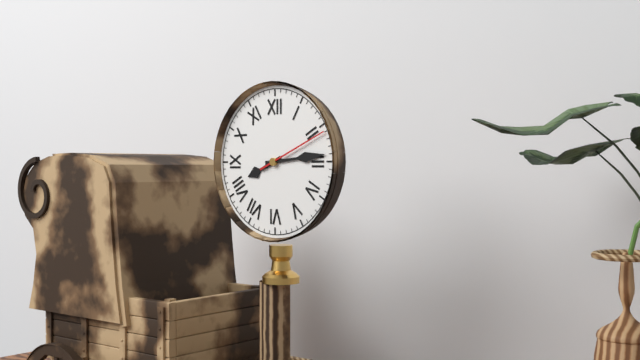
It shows 8,14,11
